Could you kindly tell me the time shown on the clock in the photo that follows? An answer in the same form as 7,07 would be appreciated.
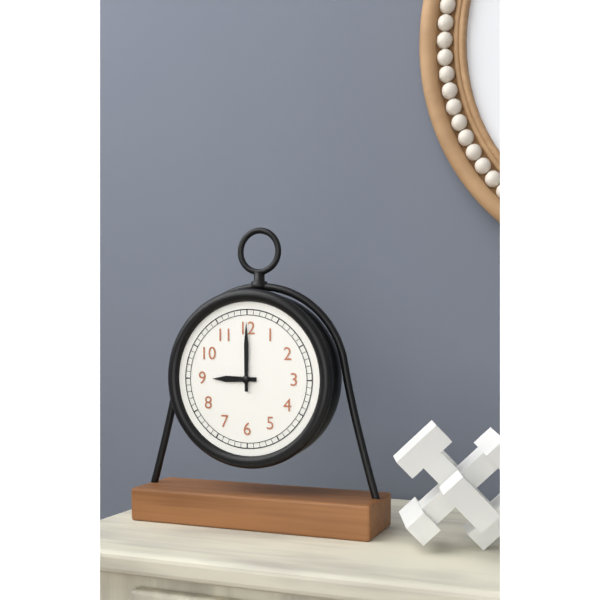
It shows 9,00
